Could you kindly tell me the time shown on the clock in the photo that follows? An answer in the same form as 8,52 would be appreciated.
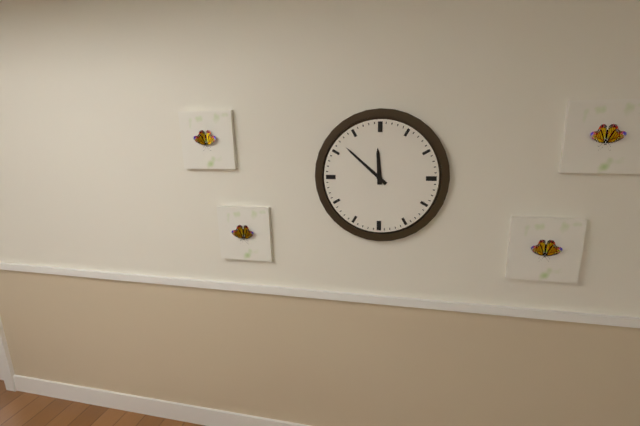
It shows 11,52
